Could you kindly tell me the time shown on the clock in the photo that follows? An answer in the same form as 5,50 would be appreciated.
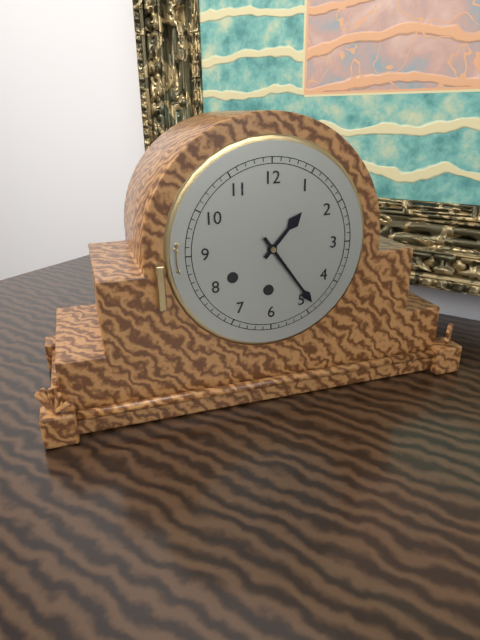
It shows 1,24
